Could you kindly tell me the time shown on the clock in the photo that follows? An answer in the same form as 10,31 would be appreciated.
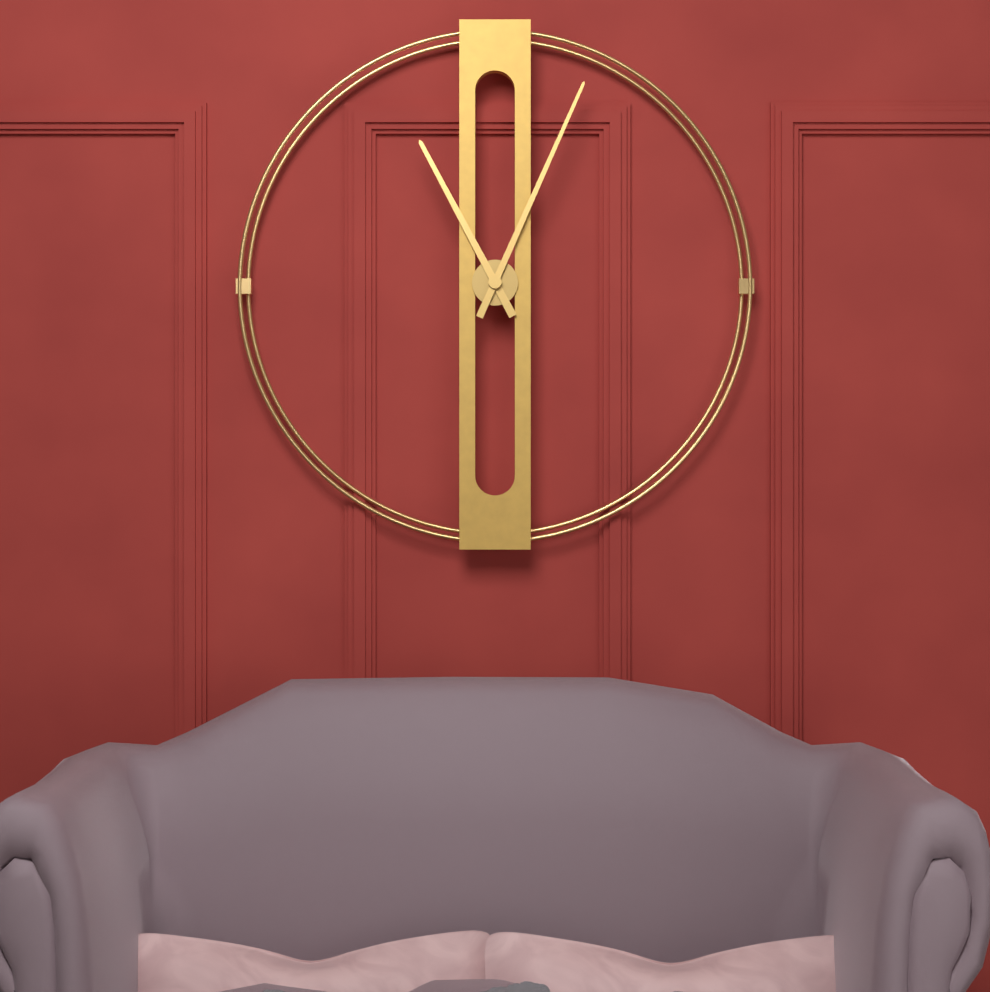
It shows 11,04
